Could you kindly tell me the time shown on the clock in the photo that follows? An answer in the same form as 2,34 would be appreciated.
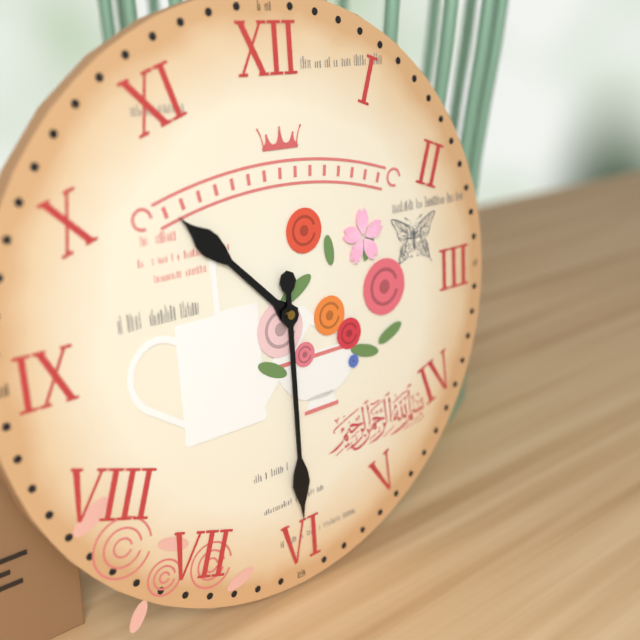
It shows 10,30
